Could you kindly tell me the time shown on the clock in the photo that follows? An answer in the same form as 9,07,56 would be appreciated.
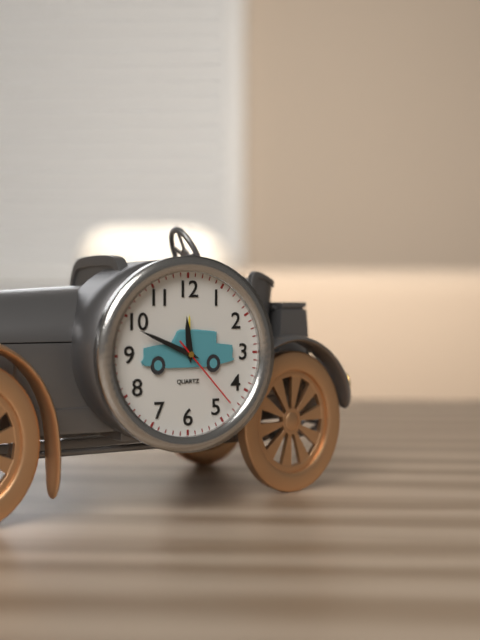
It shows 11,49,23
